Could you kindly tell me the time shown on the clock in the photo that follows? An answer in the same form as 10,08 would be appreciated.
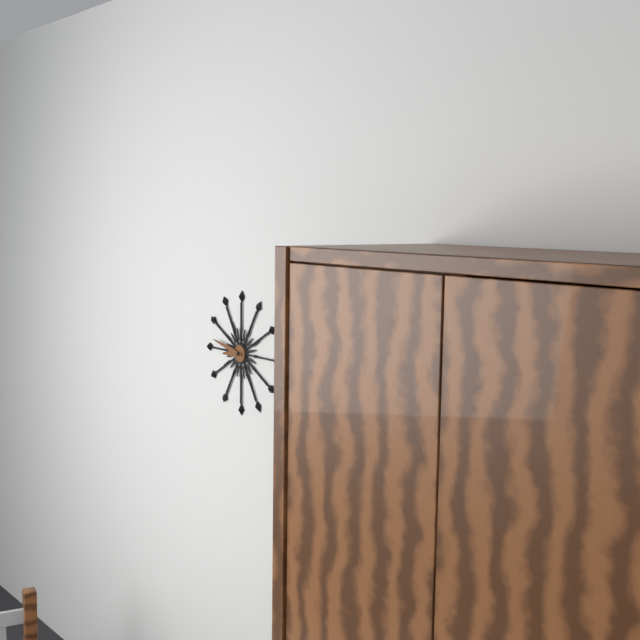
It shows 8,47
